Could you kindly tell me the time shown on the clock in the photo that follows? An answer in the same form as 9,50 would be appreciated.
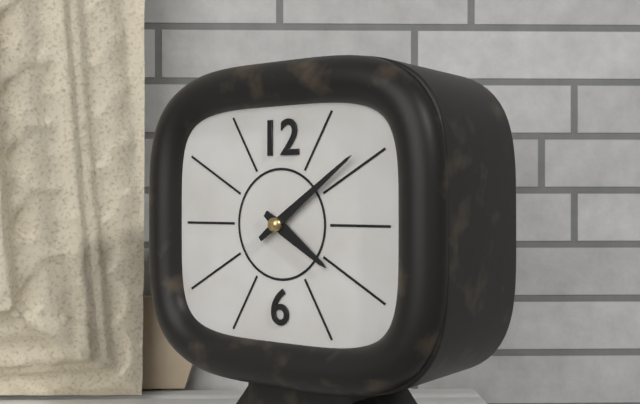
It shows 4,09
